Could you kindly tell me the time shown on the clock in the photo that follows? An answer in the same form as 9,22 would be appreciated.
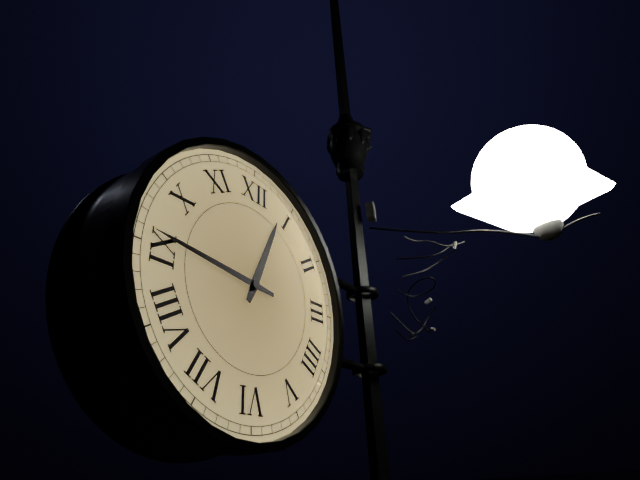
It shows 12,46
